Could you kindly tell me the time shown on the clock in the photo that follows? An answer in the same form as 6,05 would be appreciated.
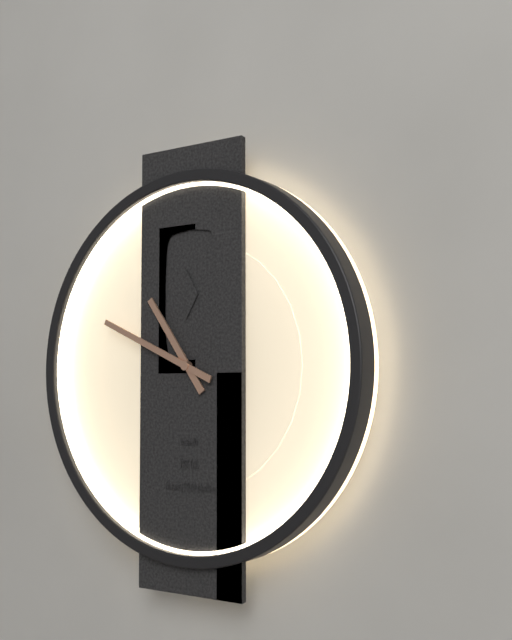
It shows 10,49
